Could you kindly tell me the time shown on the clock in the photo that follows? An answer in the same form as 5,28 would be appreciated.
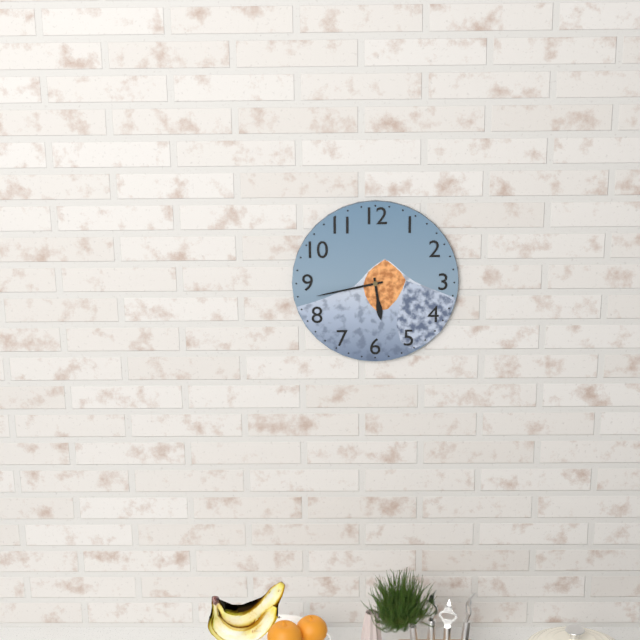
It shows 5,43
